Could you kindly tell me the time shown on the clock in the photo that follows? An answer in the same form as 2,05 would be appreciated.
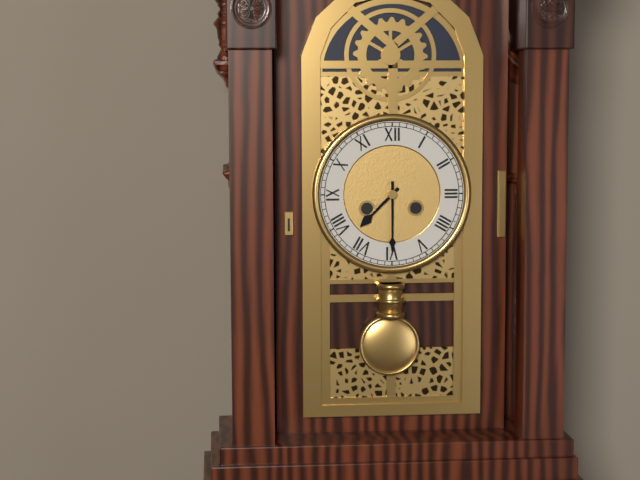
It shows 7,30
